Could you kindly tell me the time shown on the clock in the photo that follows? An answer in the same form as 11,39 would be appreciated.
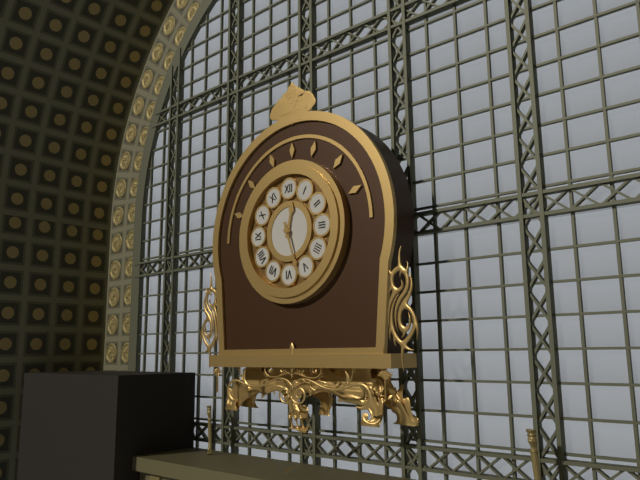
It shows 12,27
